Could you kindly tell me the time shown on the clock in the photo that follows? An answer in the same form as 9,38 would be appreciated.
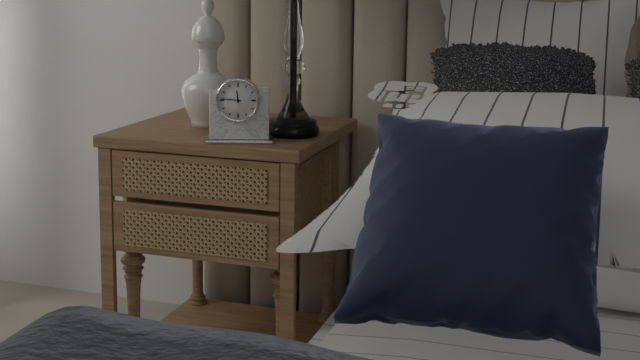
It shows 11,46
